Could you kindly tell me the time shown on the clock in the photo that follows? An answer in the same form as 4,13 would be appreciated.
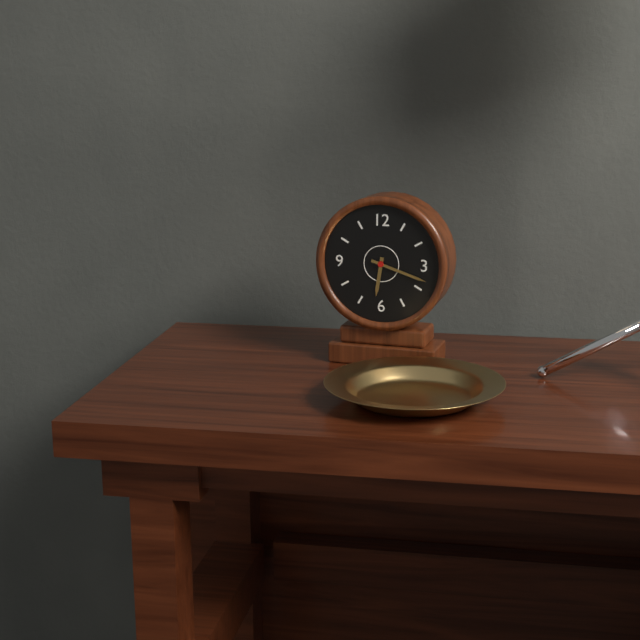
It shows 6,18
